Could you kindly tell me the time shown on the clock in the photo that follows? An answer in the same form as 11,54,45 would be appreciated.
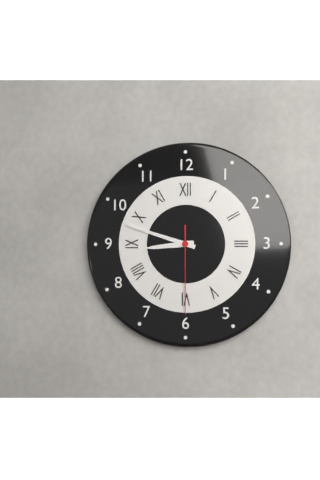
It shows 8,48,30
